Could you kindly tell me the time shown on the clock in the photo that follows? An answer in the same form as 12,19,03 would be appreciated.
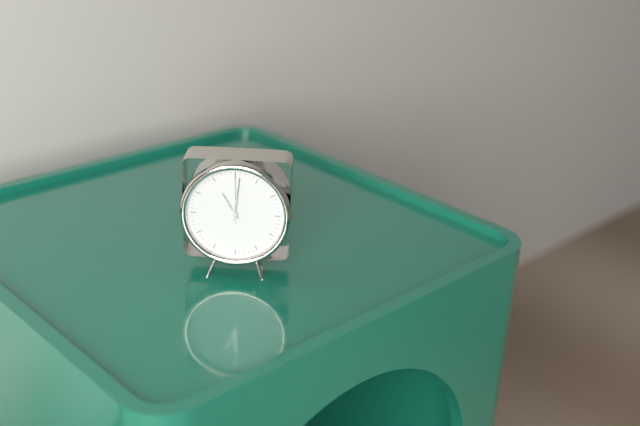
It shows 11,01,00
